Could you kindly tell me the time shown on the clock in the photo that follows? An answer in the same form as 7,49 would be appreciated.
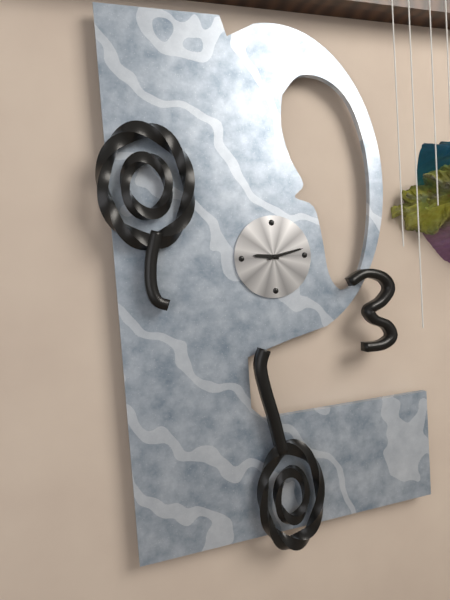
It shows 9,13
